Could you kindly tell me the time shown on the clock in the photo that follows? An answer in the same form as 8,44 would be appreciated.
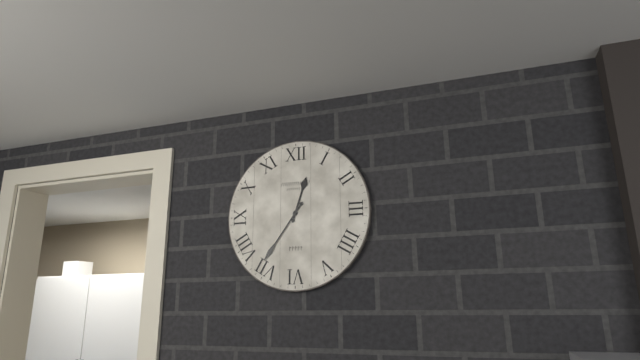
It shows 12,36
